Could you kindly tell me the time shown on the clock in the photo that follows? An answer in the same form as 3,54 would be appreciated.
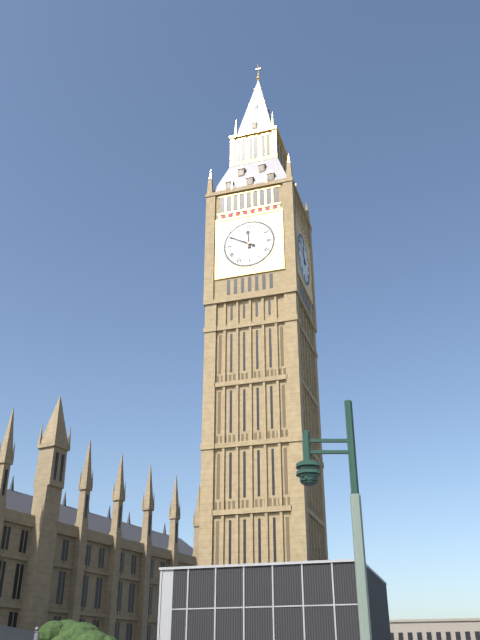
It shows 11,50
